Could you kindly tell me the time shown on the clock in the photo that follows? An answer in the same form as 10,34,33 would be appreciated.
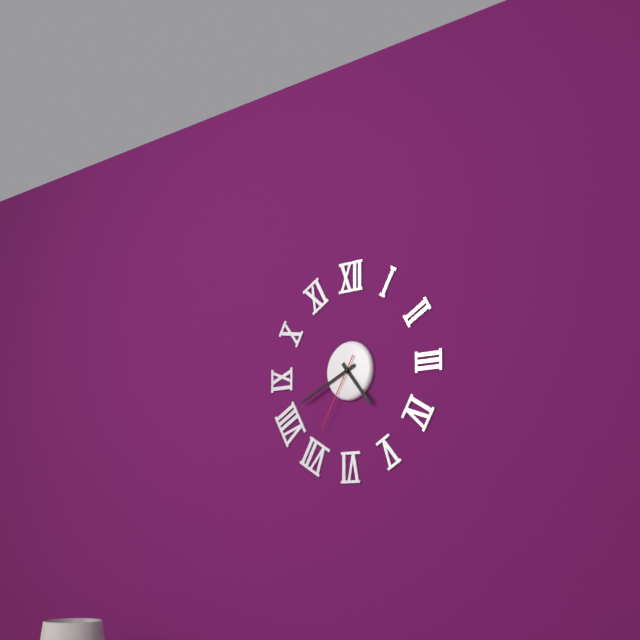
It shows 4,41,35
